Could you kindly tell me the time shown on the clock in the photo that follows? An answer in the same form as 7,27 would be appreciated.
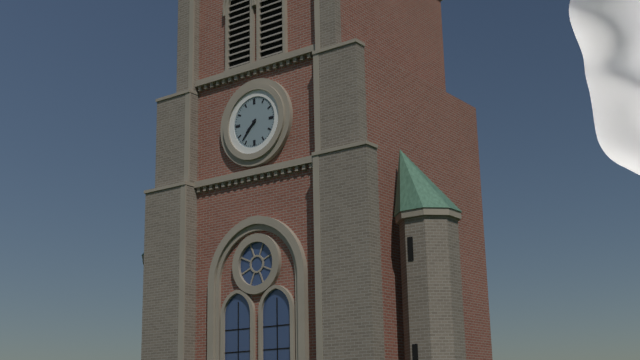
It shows 7,37
